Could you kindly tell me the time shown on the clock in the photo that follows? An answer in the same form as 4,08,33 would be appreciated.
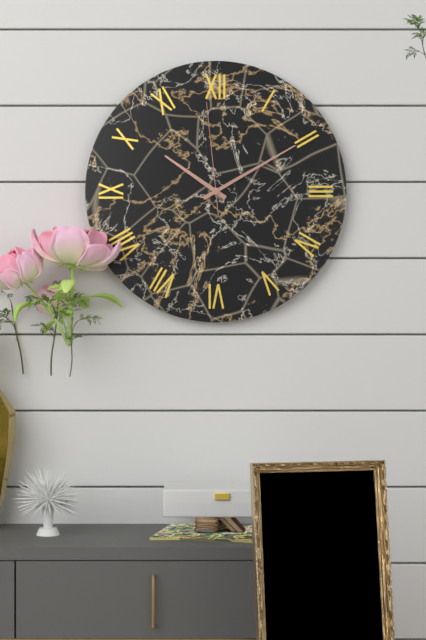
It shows 10,10,59
